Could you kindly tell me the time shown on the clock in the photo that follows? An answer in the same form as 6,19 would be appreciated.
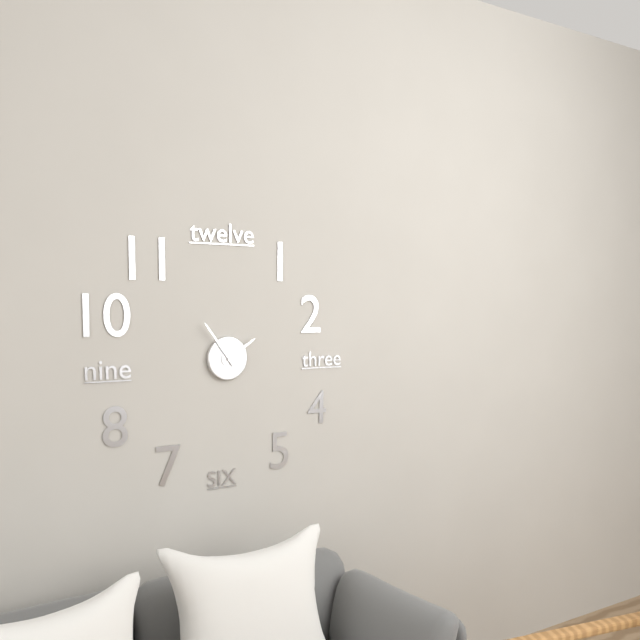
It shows 1,54
